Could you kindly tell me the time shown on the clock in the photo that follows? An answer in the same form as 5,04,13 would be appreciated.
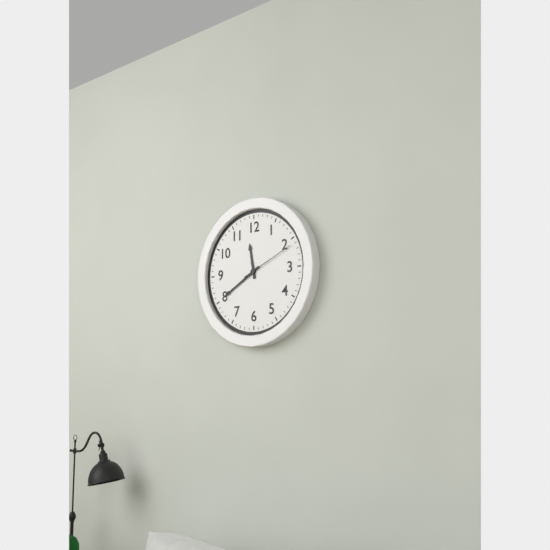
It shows 11,40,11
